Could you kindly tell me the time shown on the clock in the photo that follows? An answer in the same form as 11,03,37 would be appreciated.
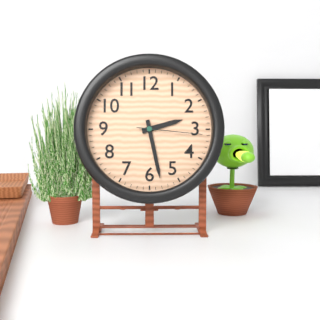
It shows 2,28,16
